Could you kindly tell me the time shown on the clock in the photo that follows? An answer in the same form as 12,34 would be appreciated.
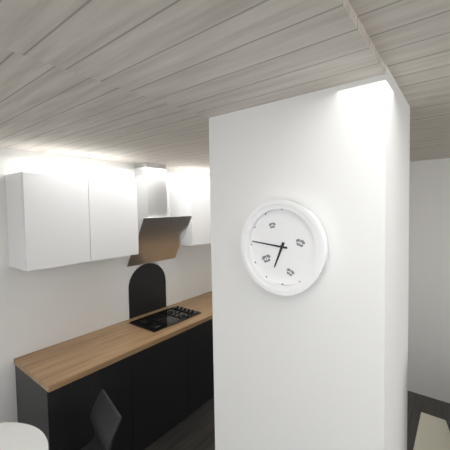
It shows 6,46
